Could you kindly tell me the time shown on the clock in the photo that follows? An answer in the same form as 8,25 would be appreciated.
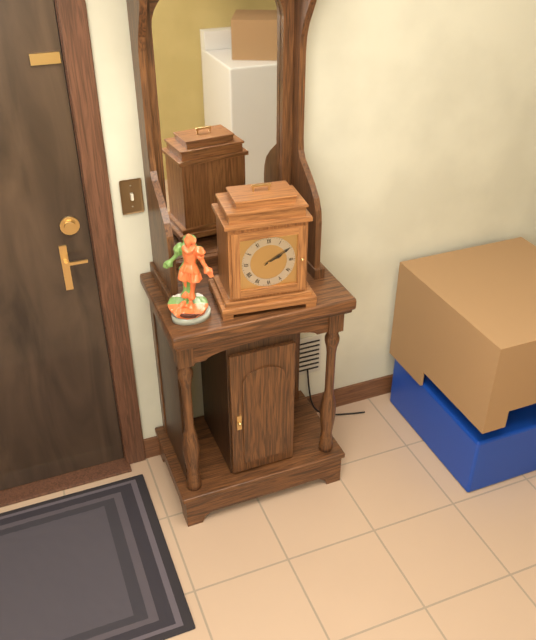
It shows 2,10
